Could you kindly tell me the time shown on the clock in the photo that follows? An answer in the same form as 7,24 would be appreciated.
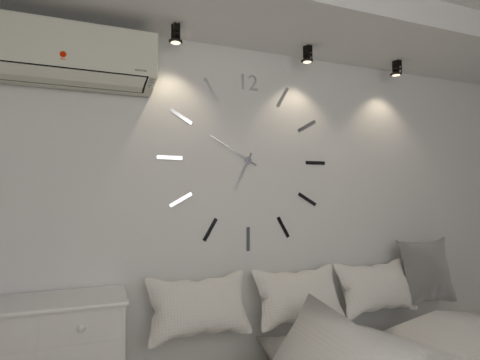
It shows 6,50
